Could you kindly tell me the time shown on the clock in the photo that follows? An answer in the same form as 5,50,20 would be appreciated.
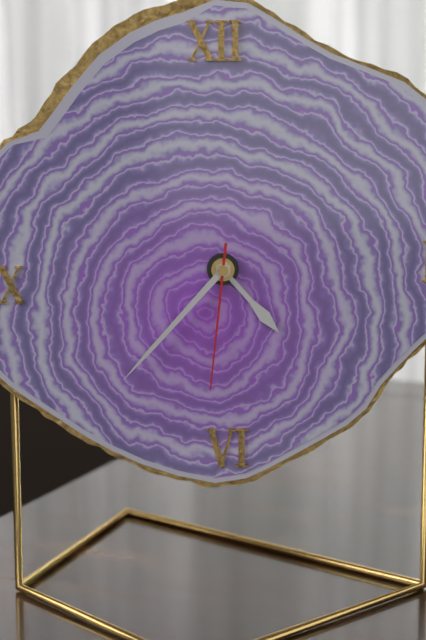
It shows 4,37,31
